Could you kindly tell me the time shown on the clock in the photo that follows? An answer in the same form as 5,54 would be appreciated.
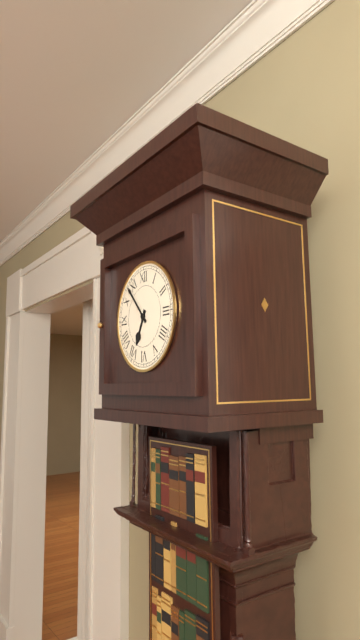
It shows 6,53
